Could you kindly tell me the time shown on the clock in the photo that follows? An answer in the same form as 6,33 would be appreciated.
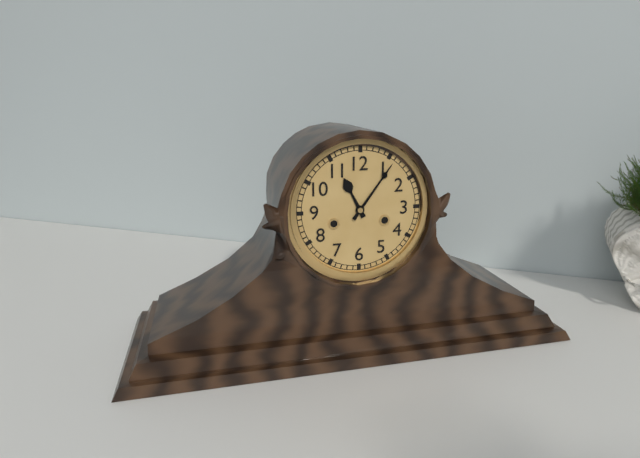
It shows 11,06
